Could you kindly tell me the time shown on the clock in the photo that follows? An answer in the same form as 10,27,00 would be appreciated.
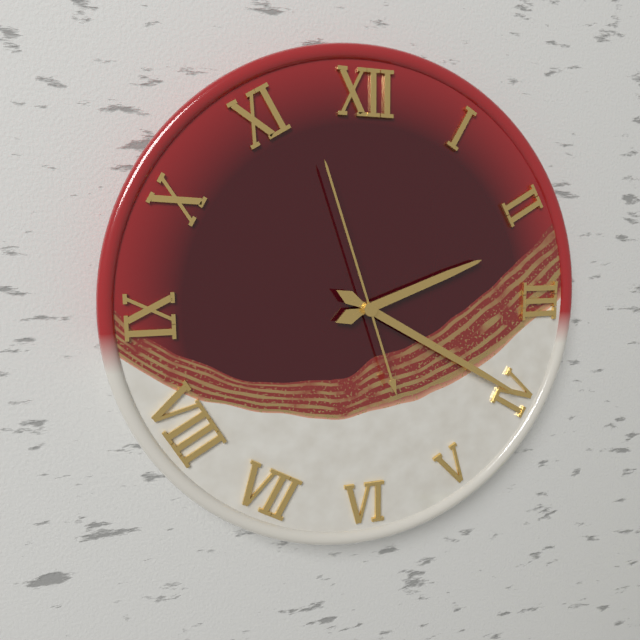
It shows 2,20,57
